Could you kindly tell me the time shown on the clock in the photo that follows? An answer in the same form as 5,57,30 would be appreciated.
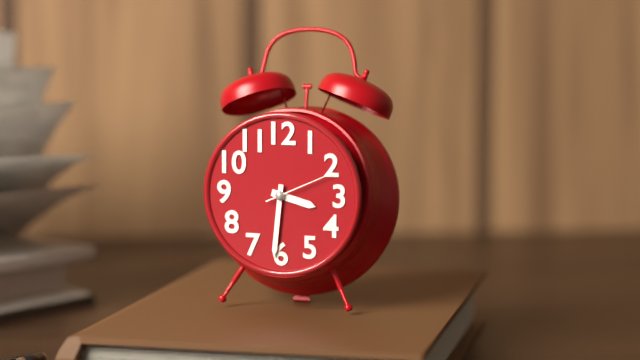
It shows 3,31,11
